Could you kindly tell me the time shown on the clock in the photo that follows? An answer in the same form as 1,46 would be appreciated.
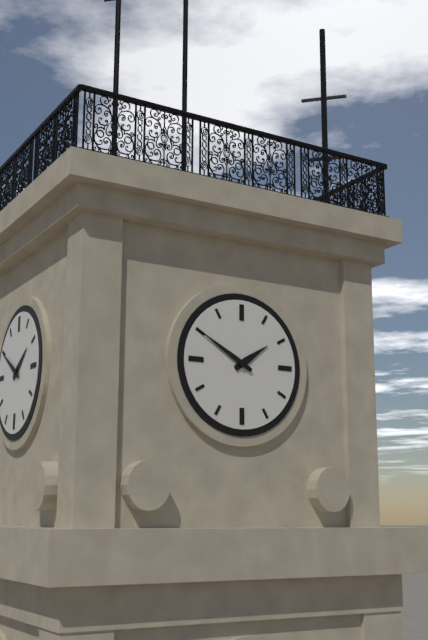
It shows 1,50
